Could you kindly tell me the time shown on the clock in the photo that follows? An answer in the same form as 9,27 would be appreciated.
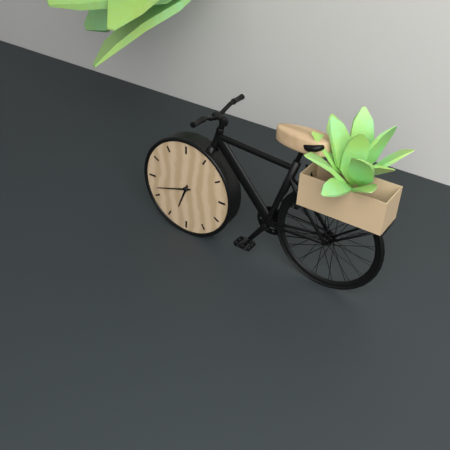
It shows 6,42
